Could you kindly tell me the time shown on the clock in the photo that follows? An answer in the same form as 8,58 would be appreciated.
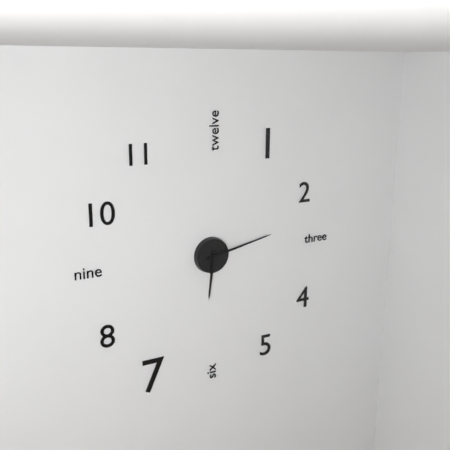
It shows 6,13
